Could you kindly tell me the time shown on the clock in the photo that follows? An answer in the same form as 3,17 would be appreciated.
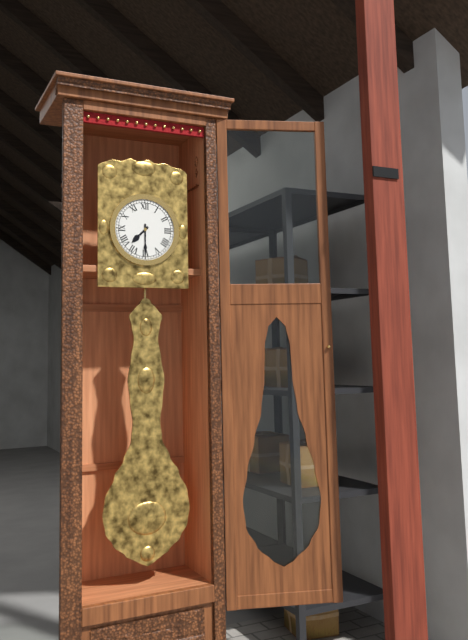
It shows 7,30
